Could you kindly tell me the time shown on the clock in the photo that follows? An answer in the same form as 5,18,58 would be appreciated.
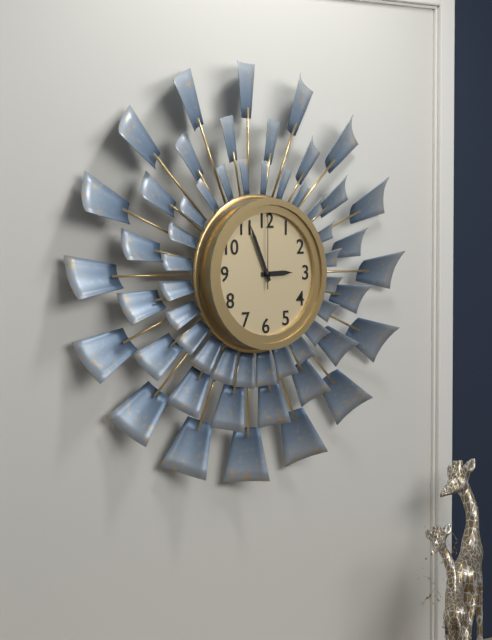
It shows 2,56,00
